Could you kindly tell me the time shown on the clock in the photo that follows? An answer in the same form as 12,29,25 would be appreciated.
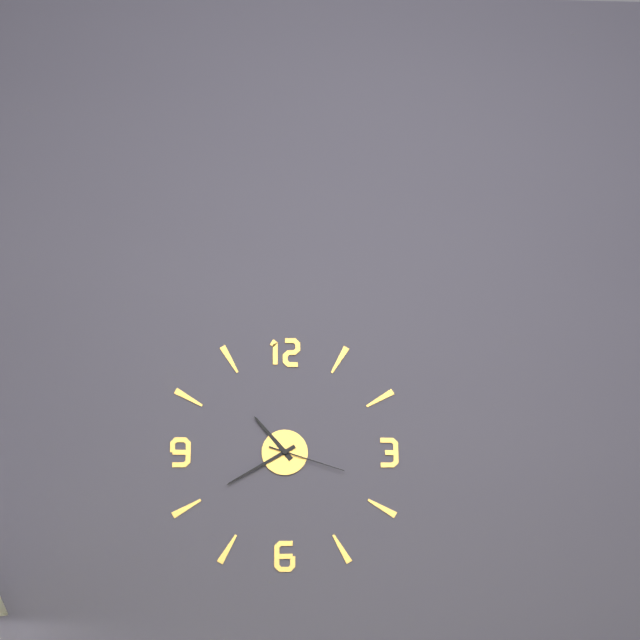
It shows 10,40,18
